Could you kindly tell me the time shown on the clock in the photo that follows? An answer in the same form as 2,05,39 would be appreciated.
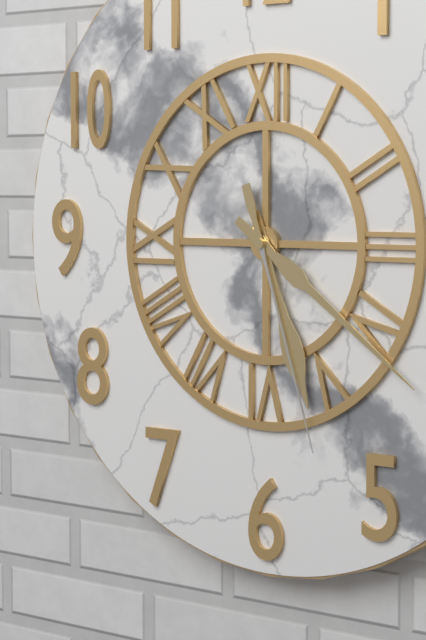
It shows 5,21,27
